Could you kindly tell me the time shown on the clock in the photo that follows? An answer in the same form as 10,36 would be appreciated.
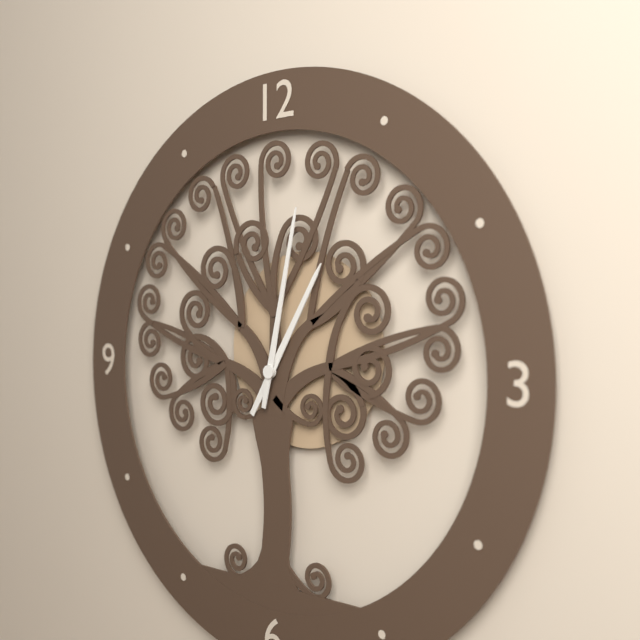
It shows 1,02
